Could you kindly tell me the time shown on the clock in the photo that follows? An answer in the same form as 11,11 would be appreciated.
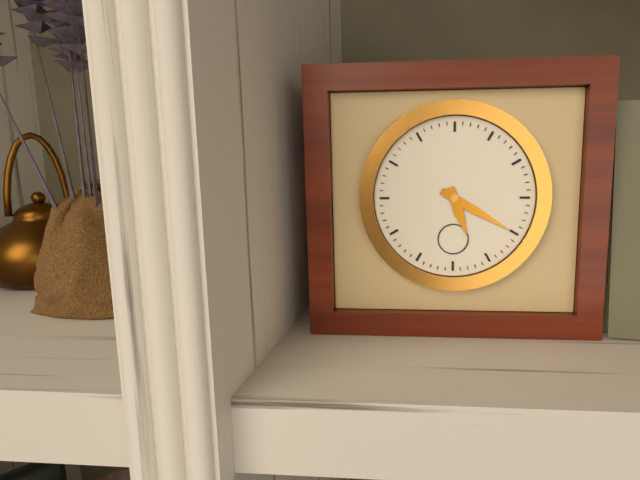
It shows 5,20
